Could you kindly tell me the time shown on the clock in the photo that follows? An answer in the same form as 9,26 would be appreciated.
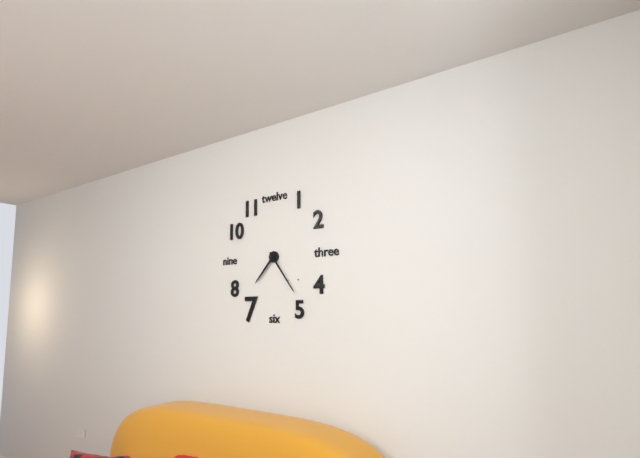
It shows 7,24
